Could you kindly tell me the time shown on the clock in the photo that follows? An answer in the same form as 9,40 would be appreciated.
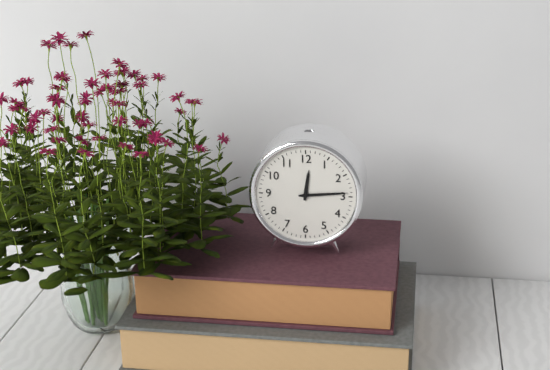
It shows 12,14
